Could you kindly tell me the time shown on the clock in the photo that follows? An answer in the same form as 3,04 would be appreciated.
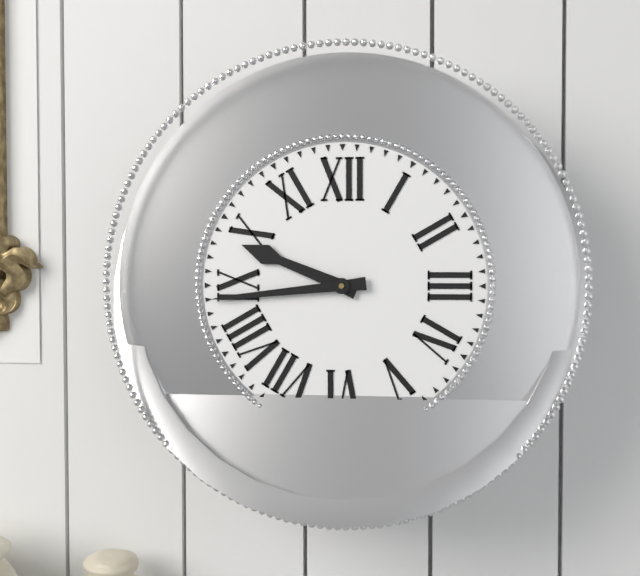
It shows 9,44
